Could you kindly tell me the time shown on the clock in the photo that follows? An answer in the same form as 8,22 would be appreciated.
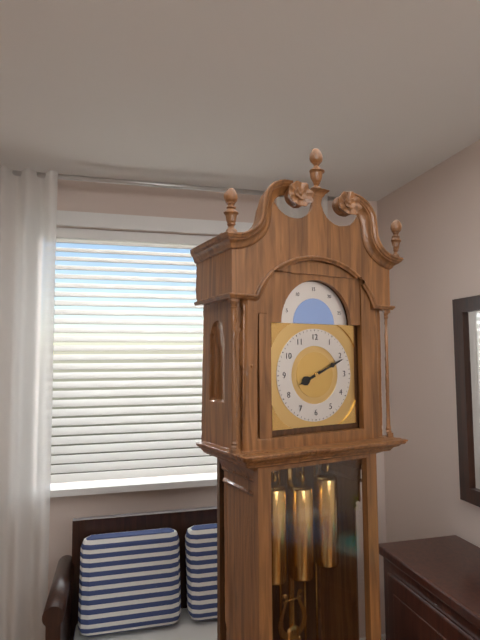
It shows 8,11
